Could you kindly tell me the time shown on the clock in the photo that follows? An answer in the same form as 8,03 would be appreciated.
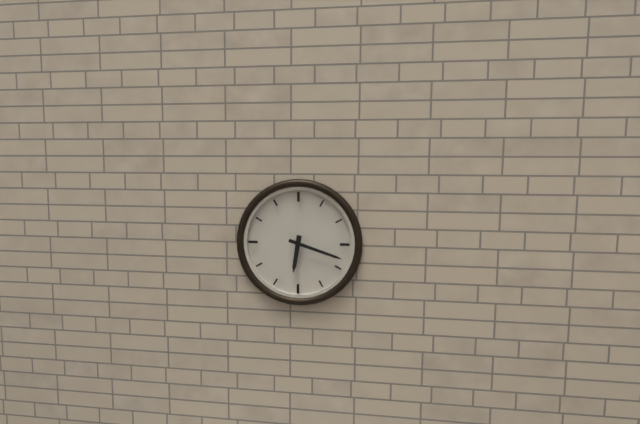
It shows 6,18
